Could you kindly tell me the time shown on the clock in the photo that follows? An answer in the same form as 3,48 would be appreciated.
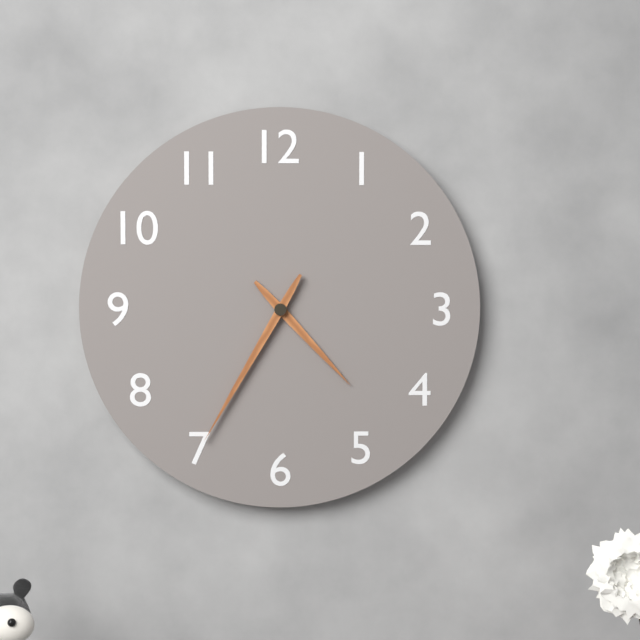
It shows 4,35
